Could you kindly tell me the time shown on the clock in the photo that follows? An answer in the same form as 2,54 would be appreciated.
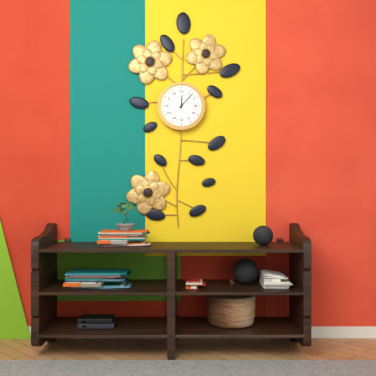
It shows 12,07
